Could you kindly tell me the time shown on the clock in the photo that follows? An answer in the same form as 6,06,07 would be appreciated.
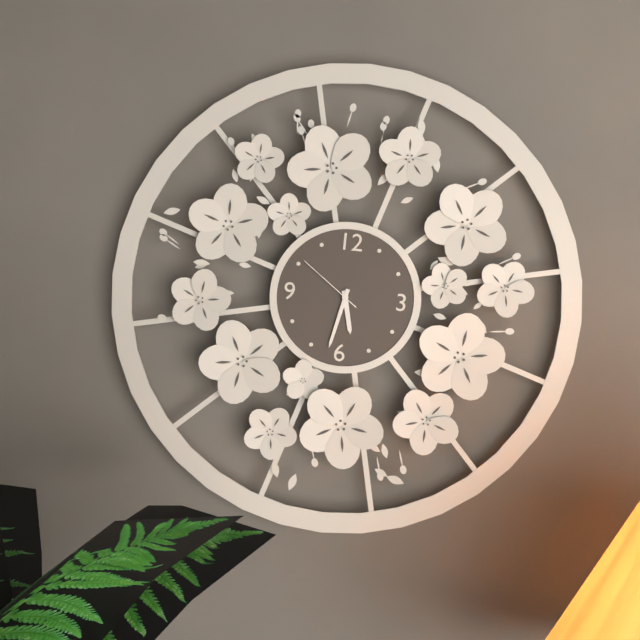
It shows 5,32,51
